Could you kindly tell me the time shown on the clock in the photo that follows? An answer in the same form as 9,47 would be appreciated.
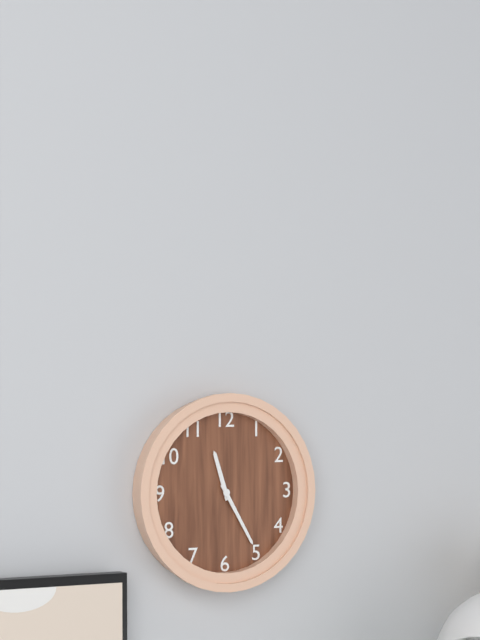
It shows 11,25
